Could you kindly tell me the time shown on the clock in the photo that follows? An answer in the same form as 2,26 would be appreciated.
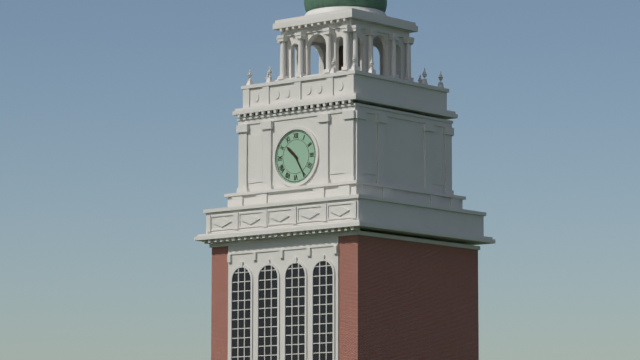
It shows 10,25
